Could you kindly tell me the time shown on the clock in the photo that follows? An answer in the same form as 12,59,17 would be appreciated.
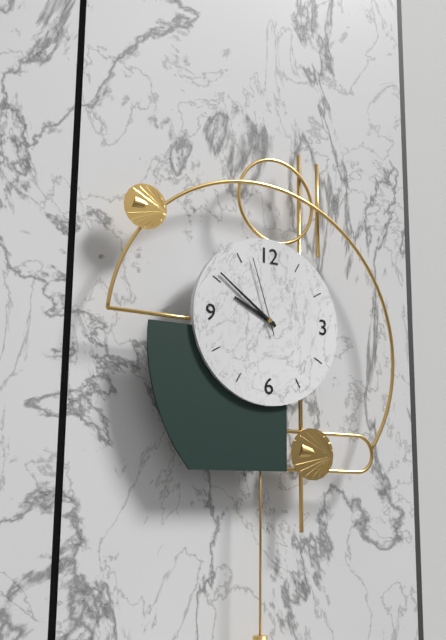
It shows 9,51,57
